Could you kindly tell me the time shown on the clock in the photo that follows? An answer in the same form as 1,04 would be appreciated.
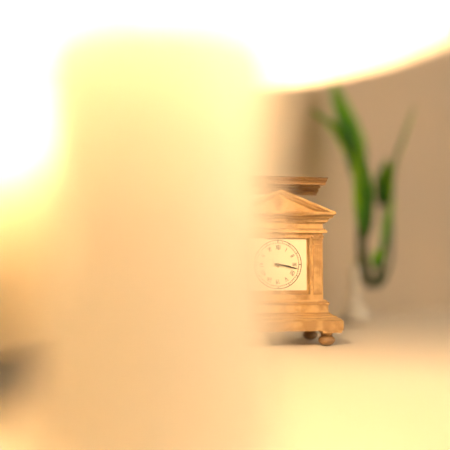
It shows 3,17
